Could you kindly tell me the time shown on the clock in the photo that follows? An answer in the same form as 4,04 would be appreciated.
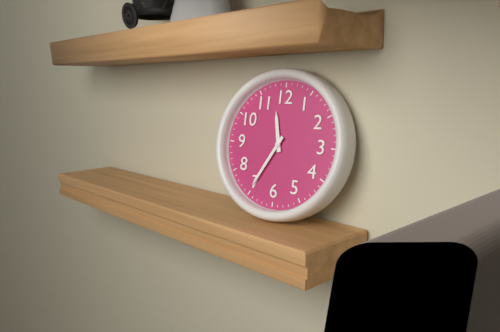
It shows 11,35
